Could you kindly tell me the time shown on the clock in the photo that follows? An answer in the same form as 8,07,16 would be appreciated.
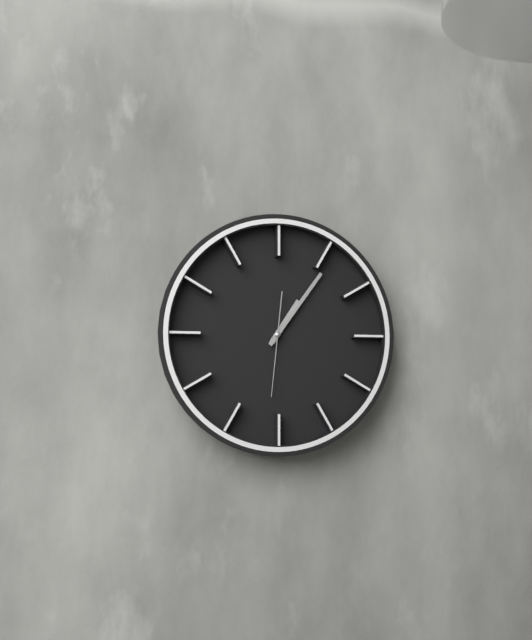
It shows 1,06,31
